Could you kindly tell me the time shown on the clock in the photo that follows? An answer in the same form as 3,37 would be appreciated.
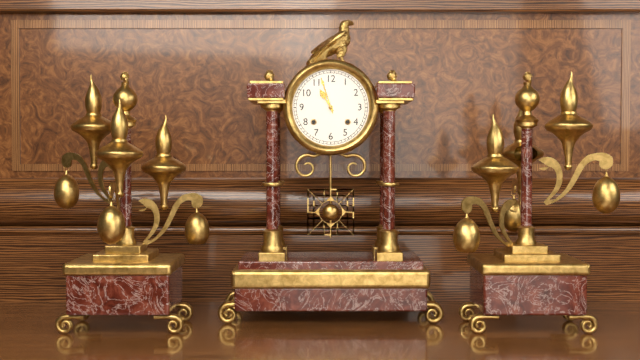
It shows 10,57
